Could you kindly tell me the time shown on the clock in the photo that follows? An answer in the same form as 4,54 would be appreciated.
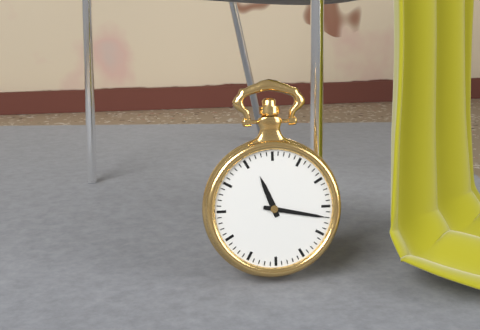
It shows 11,17
